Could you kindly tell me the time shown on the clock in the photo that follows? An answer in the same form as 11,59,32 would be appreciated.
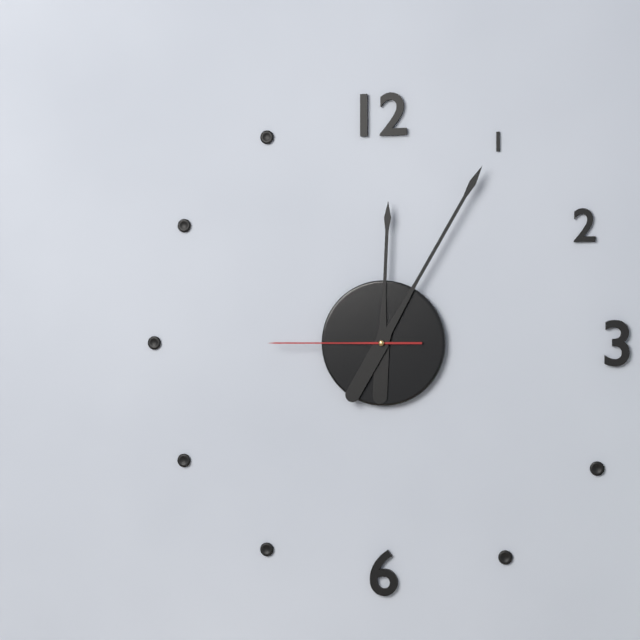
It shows 12,05,45
